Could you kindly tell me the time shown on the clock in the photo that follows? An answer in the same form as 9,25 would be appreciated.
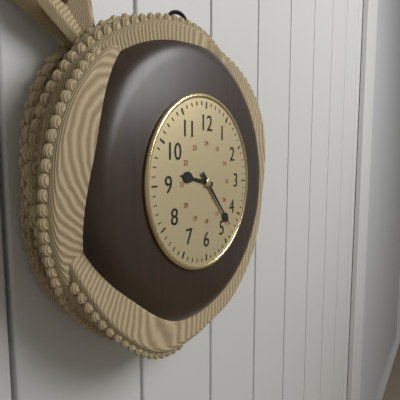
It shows 9,23
